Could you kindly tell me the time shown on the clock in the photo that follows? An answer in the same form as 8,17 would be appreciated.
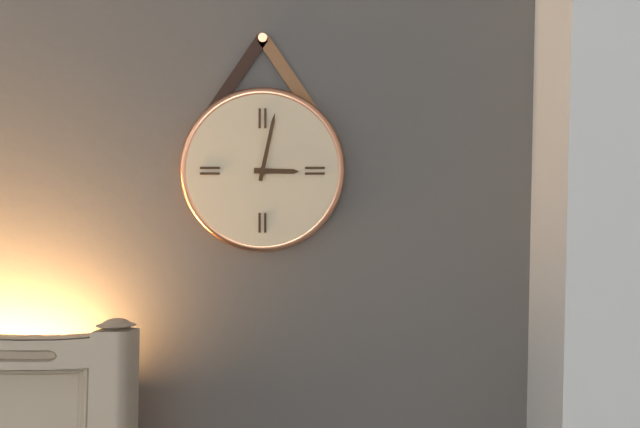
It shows 3,02
